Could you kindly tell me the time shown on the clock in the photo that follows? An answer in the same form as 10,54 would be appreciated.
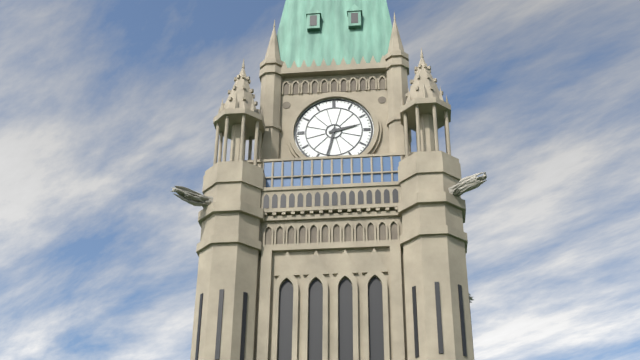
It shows 2,32
